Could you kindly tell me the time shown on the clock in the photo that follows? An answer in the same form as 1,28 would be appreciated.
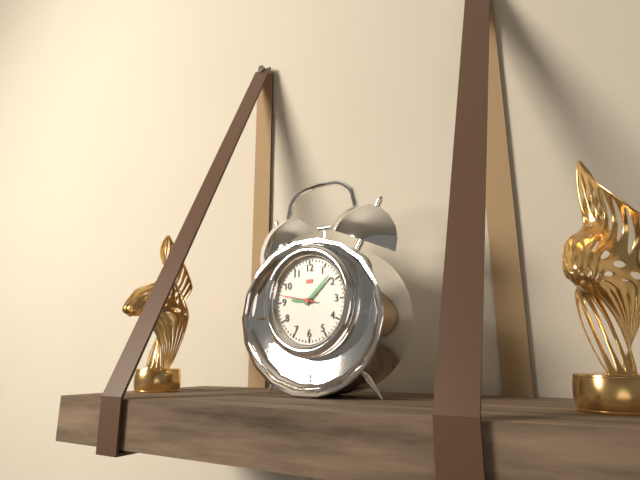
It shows 9,08
